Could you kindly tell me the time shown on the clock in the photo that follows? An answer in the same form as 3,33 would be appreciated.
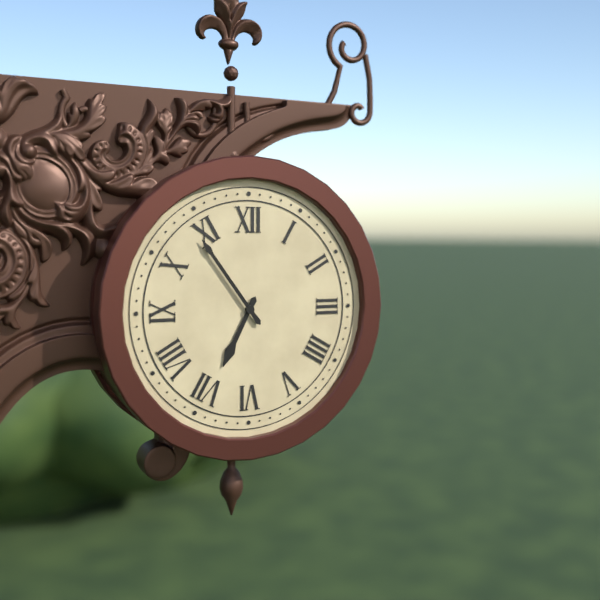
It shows 6,54
